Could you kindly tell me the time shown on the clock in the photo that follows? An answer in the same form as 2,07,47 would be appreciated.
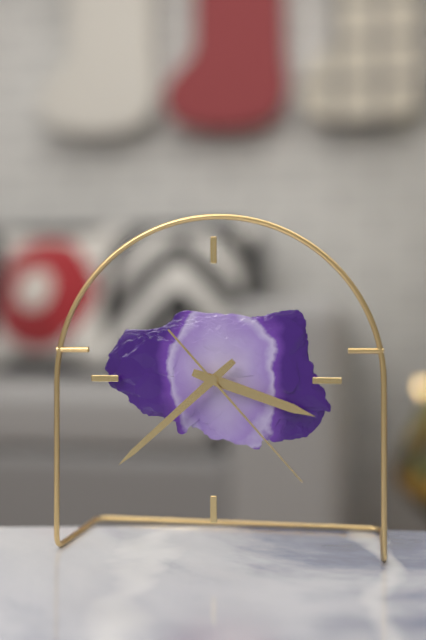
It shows 3,38,23
